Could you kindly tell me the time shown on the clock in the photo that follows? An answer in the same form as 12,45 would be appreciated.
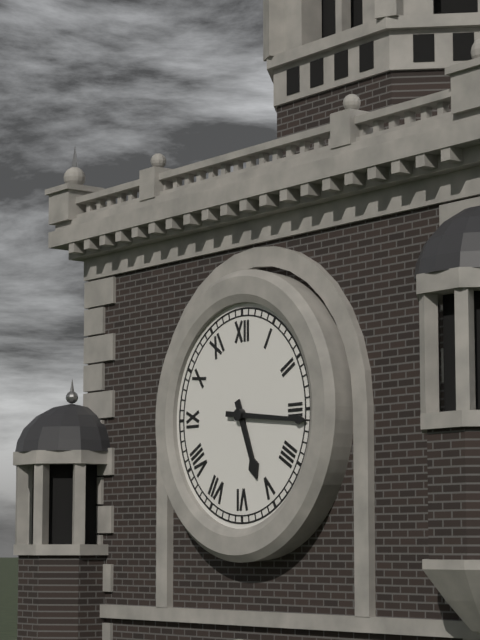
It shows 5,16
